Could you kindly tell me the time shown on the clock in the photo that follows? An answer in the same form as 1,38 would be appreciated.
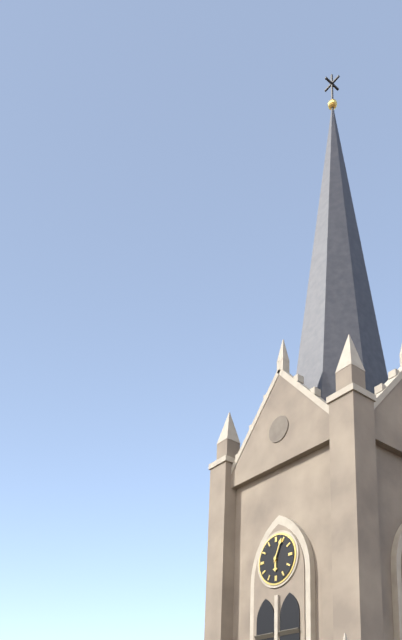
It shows 6,04
